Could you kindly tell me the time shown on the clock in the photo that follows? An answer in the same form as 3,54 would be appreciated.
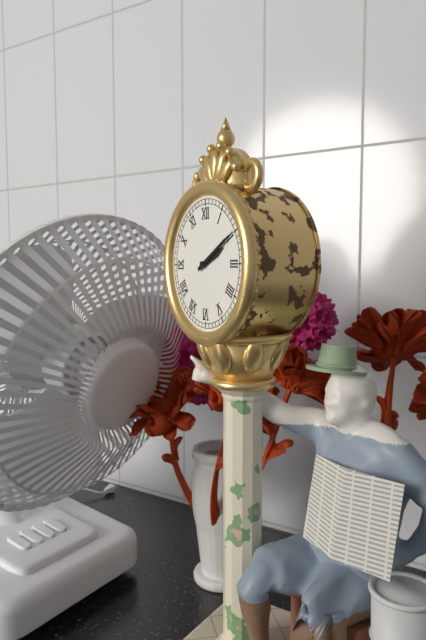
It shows 2,10
